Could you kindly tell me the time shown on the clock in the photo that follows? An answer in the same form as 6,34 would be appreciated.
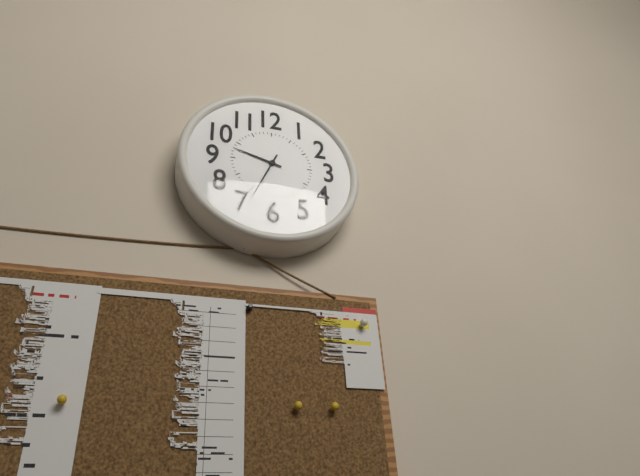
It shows 9,34
